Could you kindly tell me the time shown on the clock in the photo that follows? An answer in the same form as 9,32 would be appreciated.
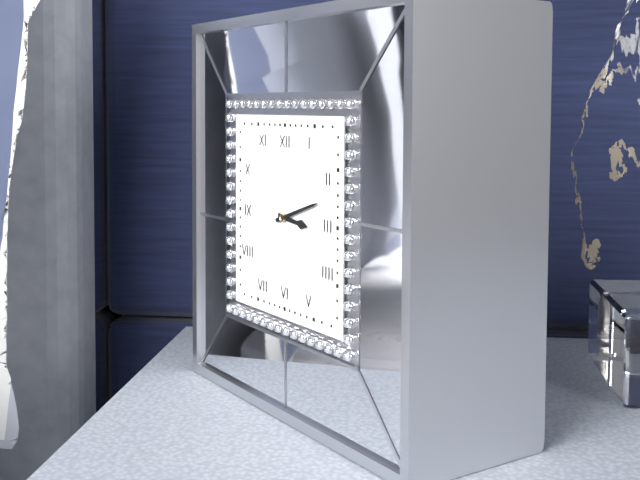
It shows 3,12
